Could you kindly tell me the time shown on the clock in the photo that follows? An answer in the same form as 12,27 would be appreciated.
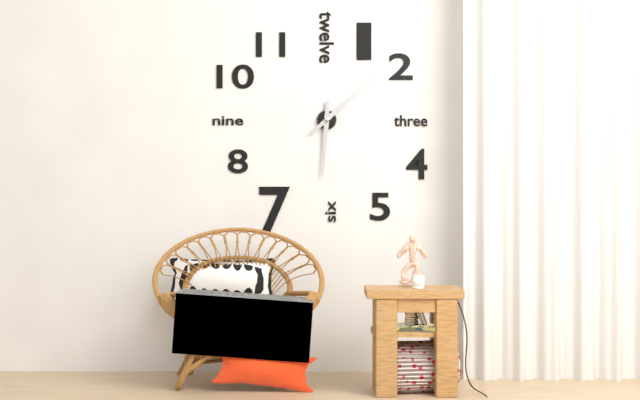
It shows 6,08
